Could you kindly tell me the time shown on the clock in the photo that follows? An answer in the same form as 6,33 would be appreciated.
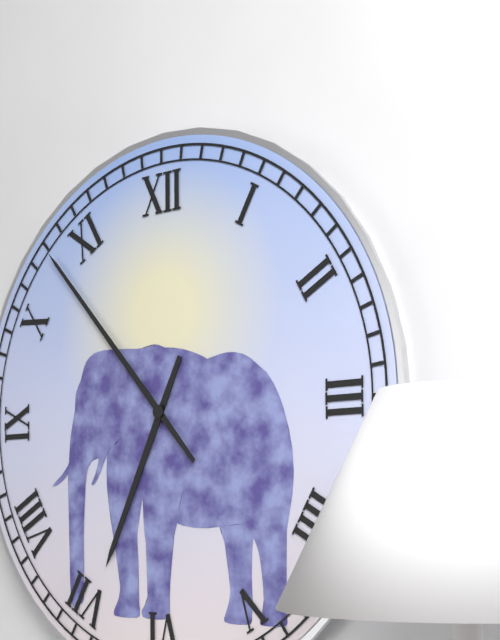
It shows 6,53
